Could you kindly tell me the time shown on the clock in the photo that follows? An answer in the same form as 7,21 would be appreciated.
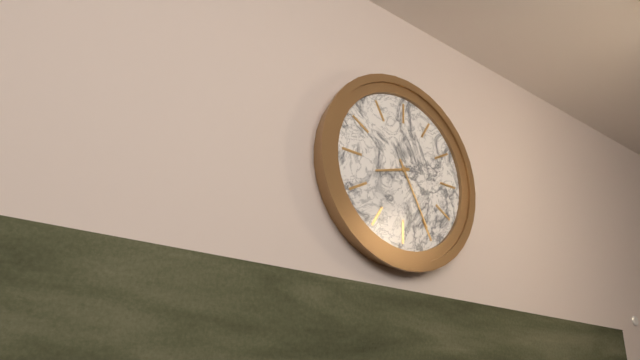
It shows 8,25
